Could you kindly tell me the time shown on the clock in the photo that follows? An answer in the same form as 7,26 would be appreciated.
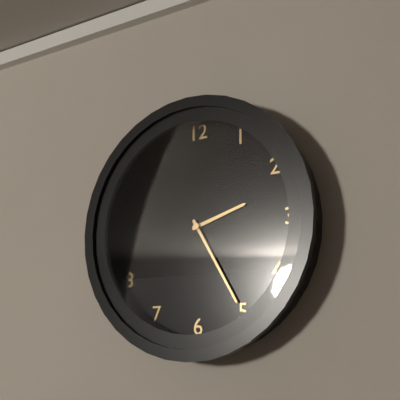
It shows 2,25
